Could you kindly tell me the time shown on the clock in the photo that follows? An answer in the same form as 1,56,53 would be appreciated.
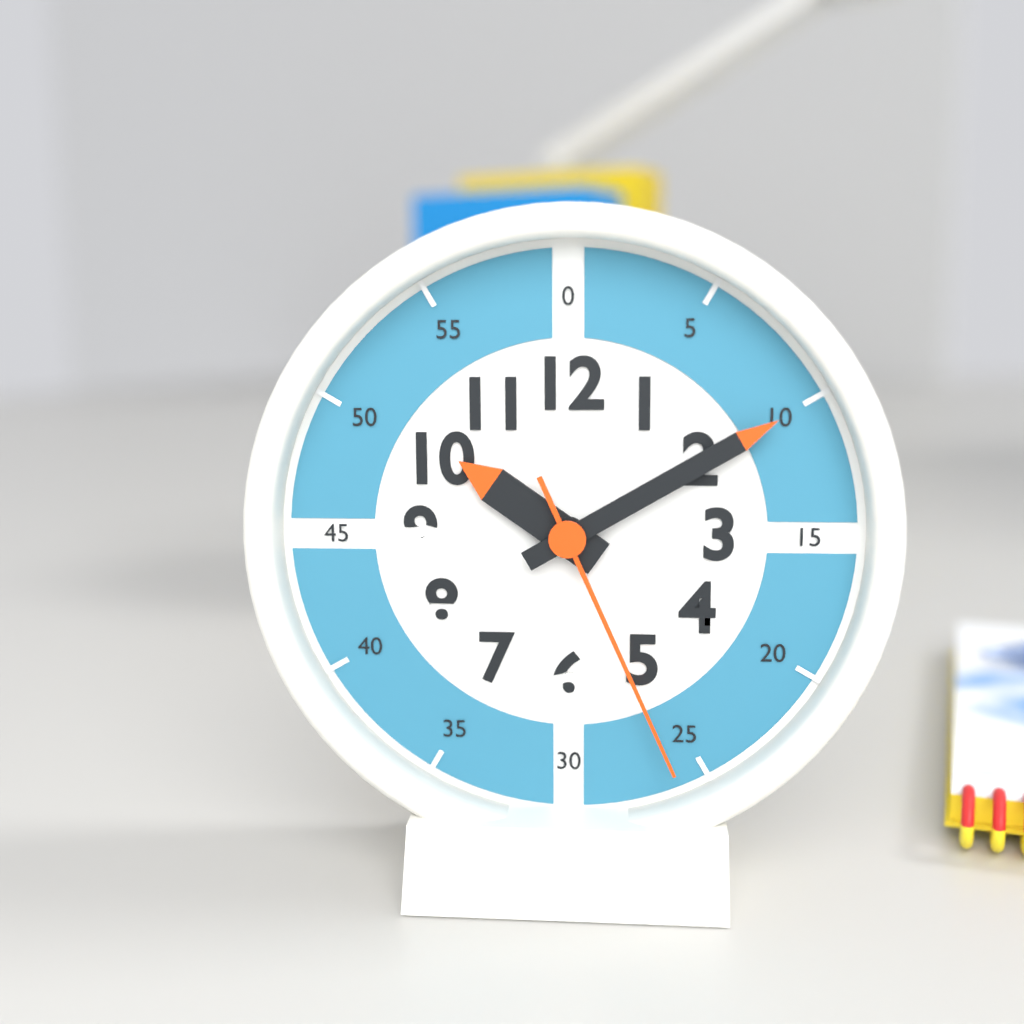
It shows 10,10,26
